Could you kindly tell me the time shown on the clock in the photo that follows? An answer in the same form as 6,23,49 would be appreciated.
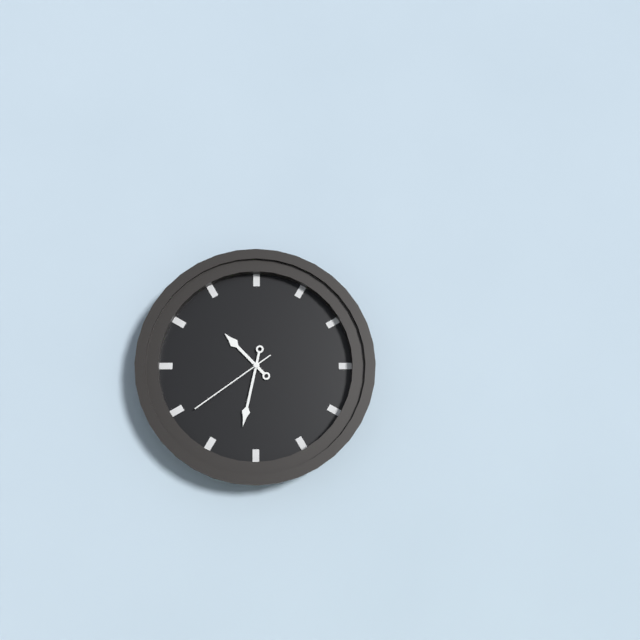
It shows 10,32,39
